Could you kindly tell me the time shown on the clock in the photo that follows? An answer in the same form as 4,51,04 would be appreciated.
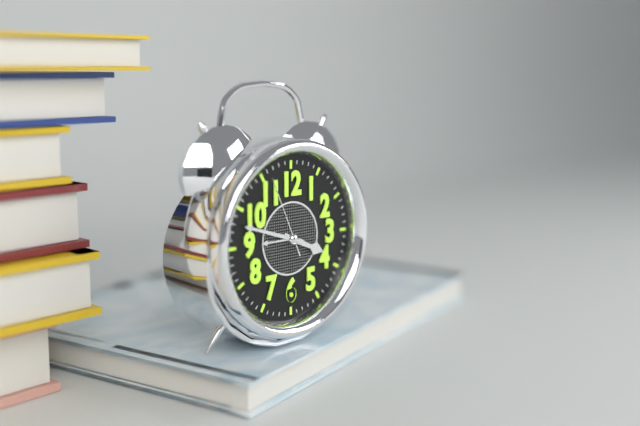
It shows 3,48,56
